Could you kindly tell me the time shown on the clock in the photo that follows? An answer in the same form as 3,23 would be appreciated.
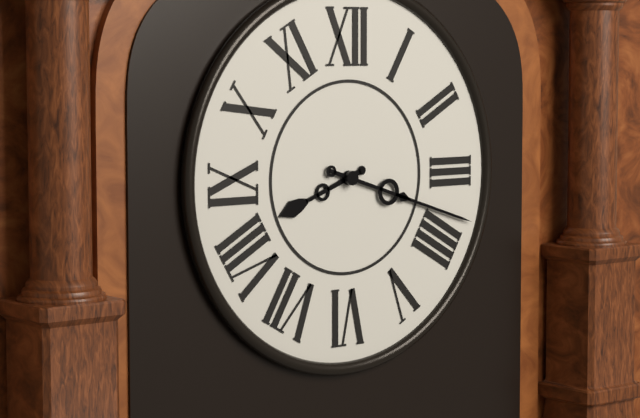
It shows 8,18
